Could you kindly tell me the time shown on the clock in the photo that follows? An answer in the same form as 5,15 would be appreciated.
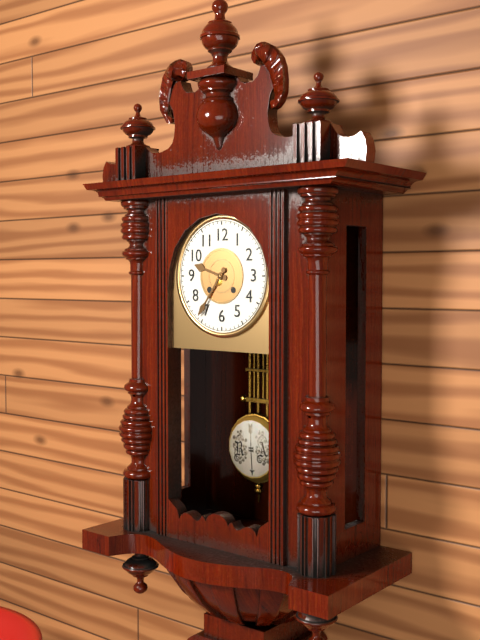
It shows 9,36
